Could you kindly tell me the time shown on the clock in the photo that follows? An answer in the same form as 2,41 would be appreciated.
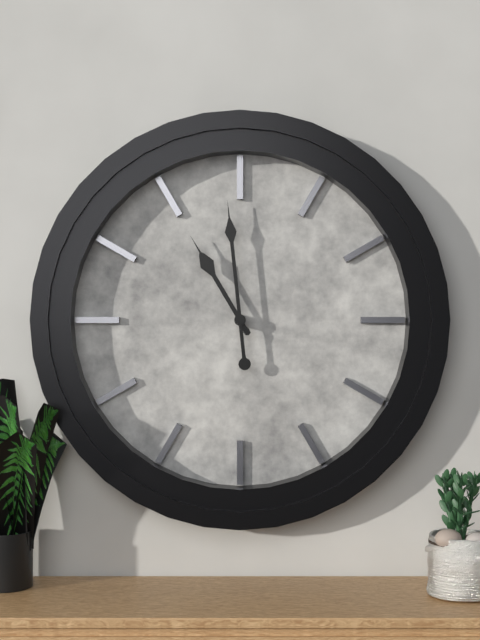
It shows 10,59
